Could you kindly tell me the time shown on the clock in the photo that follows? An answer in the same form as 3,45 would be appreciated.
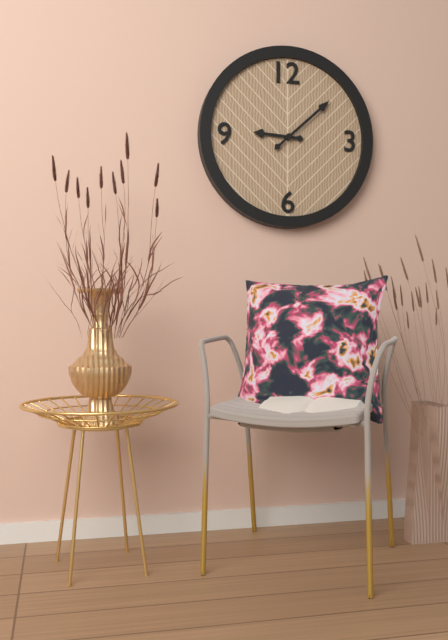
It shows 9,08
